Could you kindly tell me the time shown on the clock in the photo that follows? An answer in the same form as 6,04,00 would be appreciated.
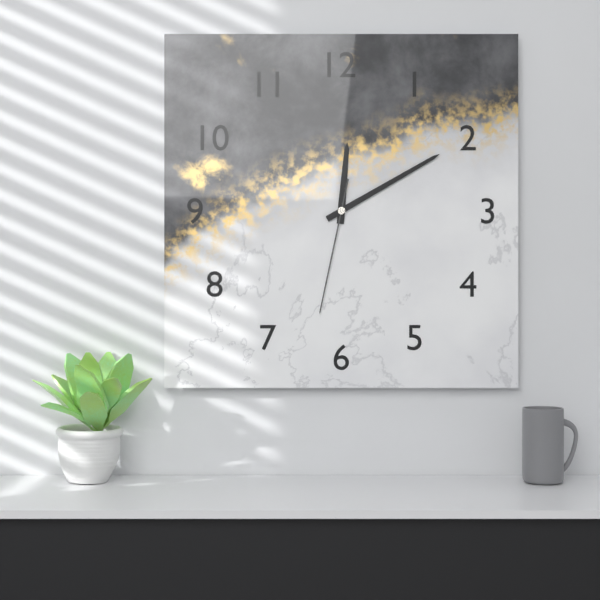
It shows 12,10,32
